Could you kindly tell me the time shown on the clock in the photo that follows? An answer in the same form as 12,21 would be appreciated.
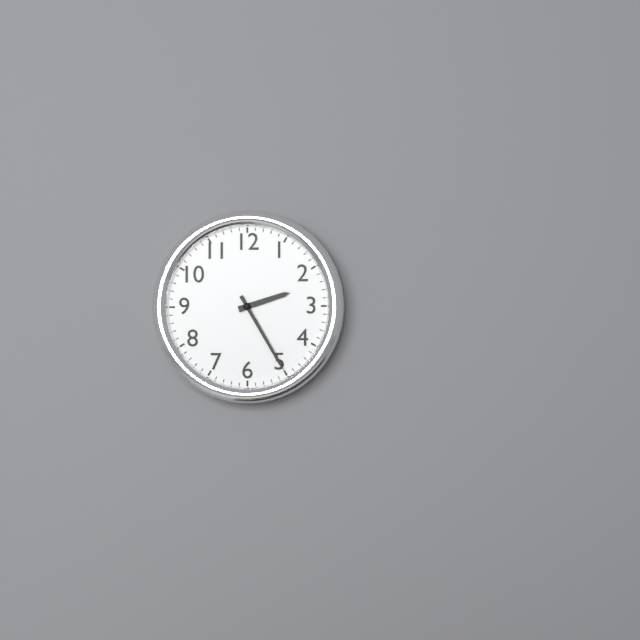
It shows 2,25
